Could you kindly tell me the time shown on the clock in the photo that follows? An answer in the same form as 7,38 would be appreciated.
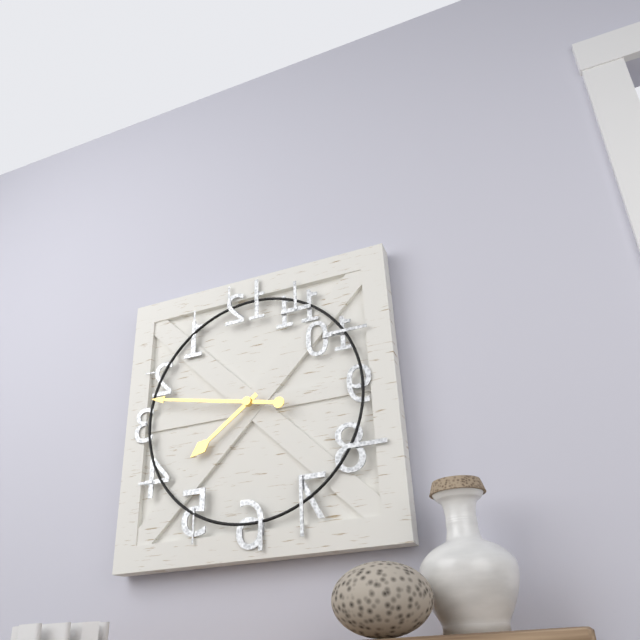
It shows 7,47
